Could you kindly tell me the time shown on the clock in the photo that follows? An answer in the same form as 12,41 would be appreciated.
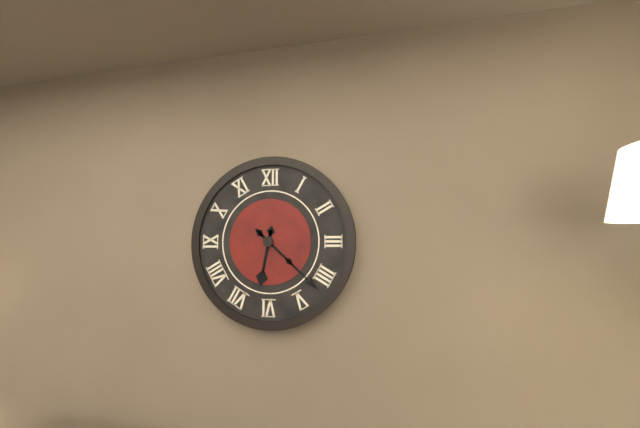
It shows 6,22
